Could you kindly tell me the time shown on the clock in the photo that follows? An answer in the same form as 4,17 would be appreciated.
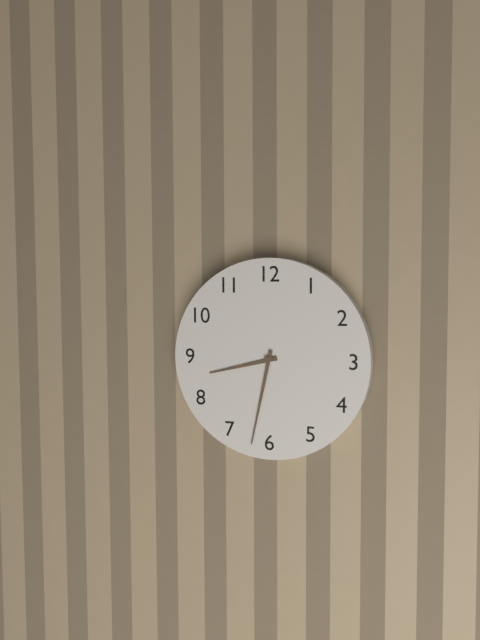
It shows 8,32
